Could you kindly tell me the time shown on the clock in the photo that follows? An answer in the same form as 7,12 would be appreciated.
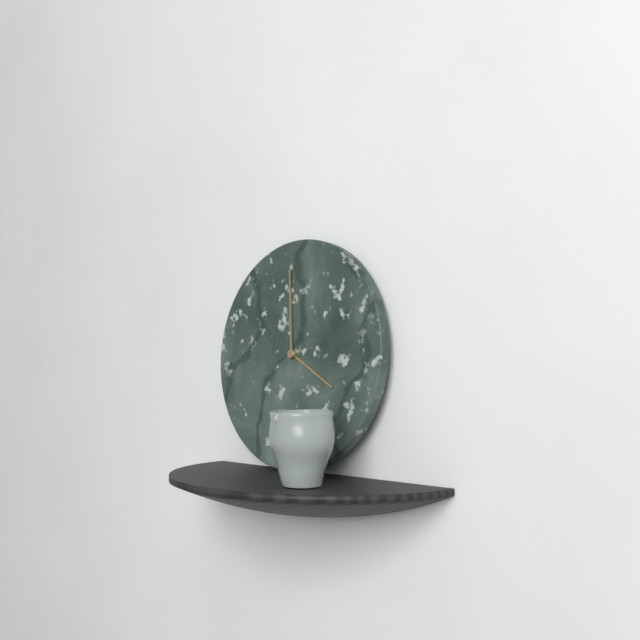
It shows 3,59
